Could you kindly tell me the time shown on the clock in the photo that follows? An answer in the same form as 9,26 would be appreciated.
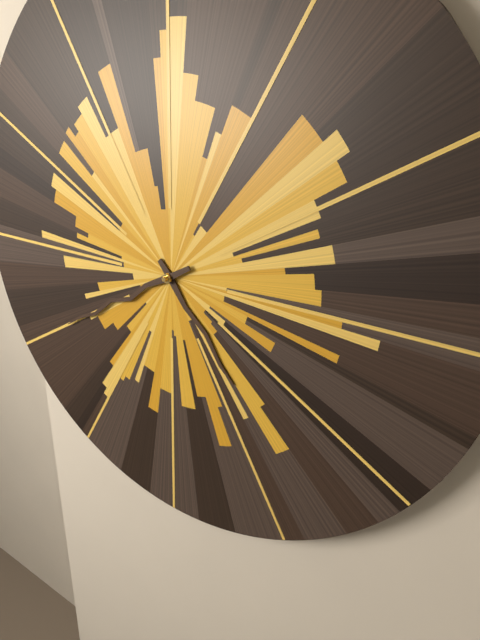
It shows 4,40
